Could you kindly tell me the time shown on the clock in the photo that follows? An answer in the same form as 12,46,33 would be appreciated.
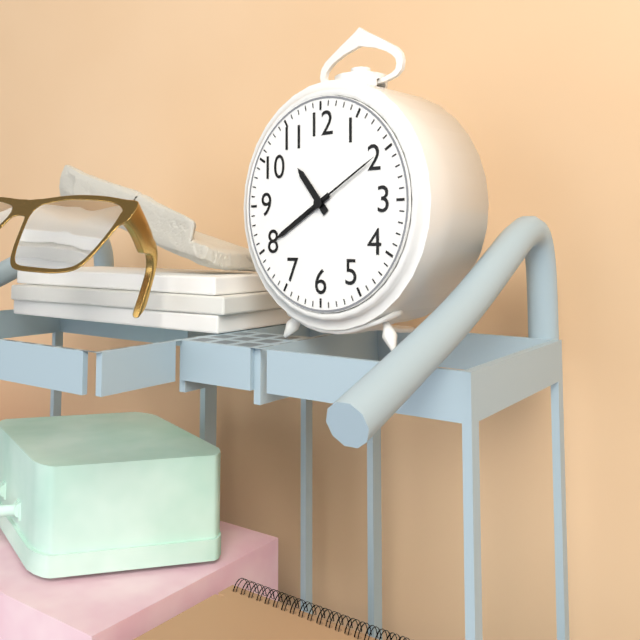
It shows 10,40,10
